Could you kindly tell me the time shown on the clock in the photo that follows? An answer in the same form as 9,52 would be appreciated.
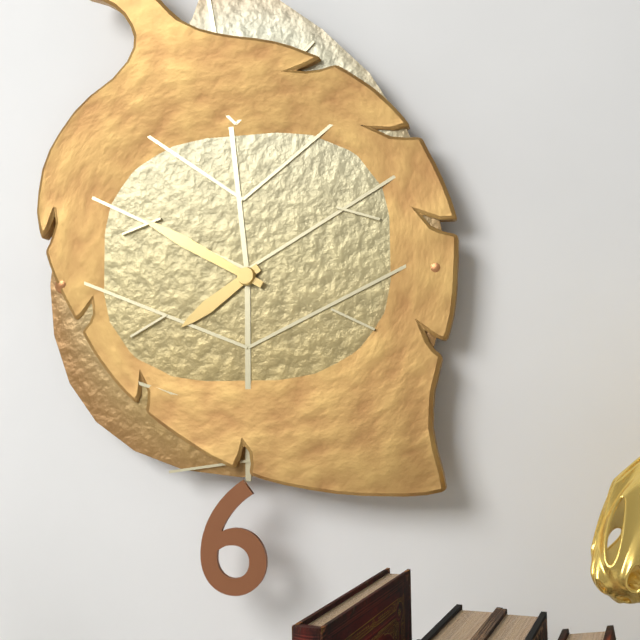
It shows 7,50
